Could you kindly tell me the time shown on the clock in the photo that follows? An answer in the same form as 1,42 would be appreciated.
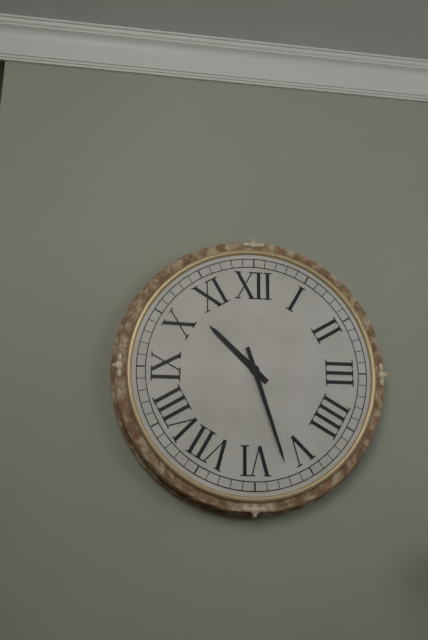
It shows 10,27
